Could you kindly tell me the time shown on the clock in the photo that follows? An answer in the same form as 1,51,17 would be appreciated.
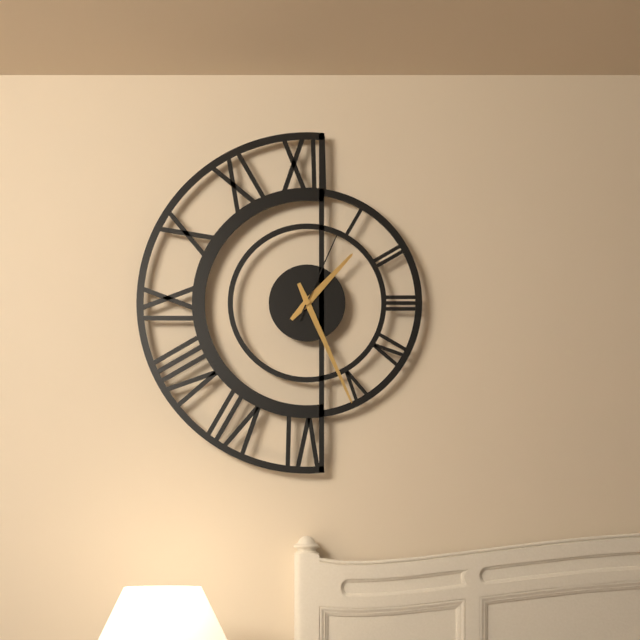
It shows 1,26,04
